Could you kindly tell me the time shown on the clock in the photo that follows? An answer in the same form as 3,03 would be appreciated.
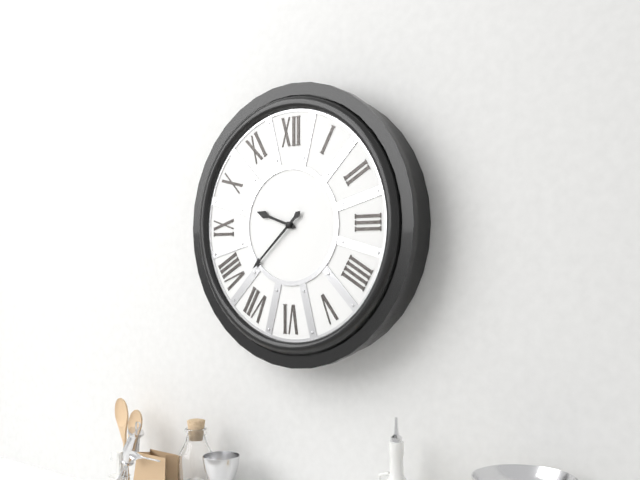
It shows 9,38
